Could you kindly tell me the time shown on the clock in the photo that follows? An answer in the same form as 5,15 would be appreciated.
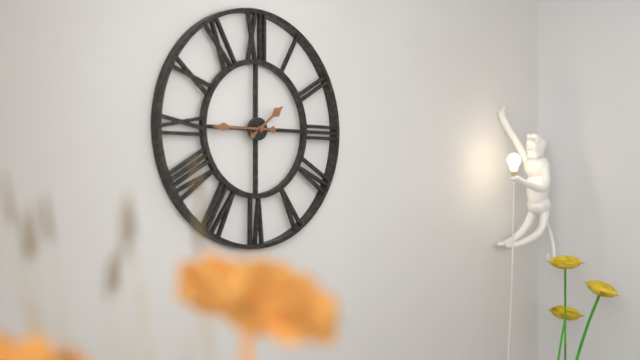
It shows 1,45
